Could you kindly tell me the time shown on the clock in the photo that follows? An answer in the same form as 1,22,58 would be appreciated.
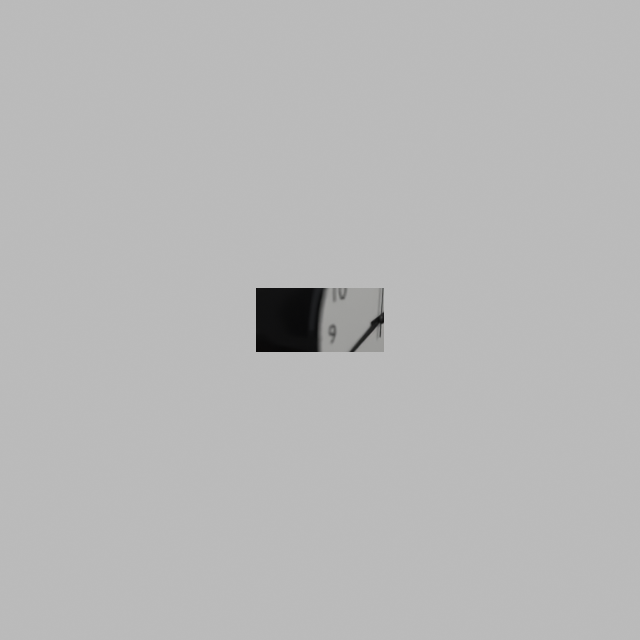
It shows 2,41,01
